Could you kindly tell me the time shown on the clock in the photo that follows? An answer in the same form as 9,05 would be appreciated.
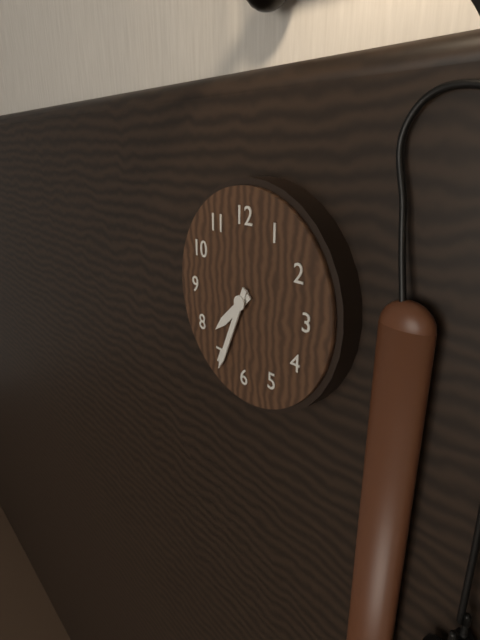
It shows 7,34
